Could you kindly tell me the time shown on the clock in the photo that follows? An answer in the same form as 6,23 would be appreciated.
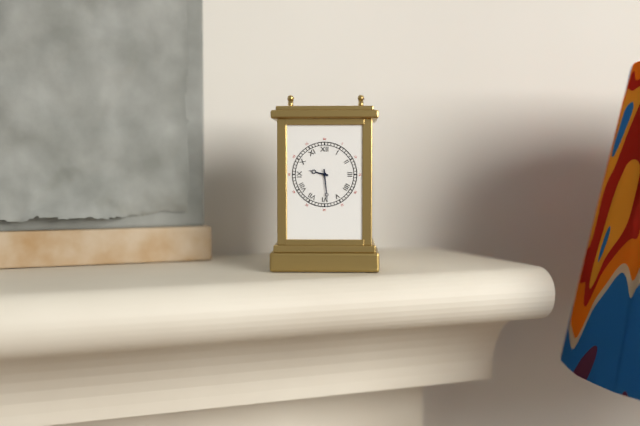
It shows 9,29
